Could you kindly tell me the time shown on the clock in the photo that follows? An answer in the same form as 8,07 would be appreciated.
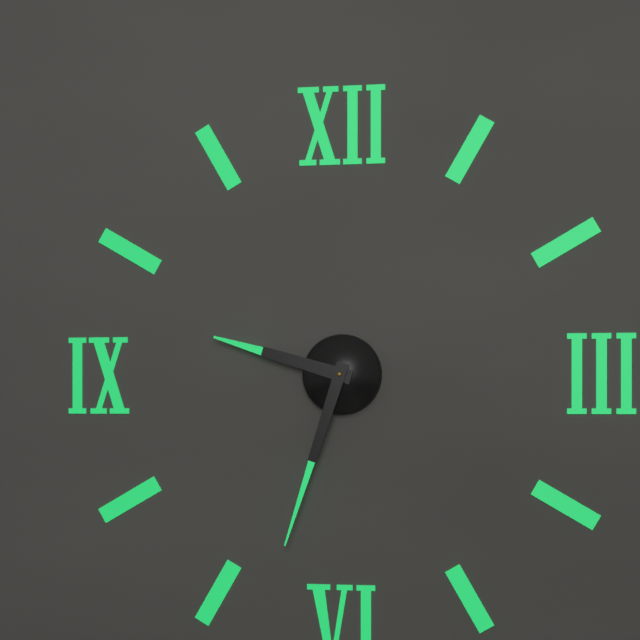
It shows 9,33
